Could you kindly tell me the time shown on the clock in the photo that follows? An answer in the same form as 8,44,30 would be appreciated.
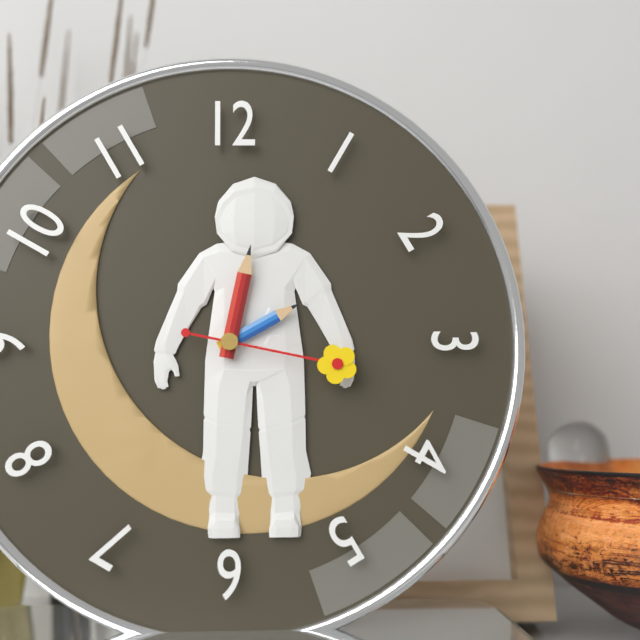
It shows 2,02,17
